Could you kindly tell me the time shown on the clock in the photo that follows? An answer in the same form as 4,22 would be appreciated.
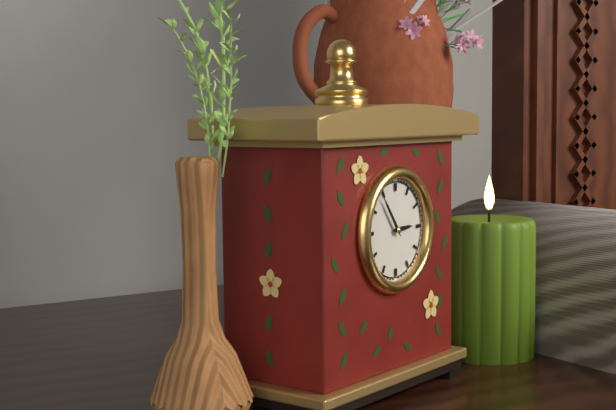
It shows 2,54
